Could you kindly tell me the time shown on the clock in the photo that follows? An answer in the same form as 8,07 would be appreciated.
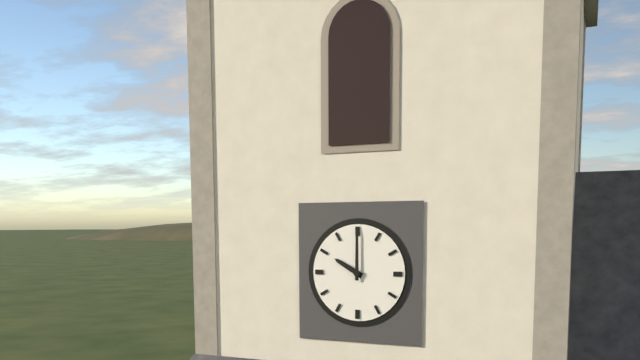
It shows 10,00
